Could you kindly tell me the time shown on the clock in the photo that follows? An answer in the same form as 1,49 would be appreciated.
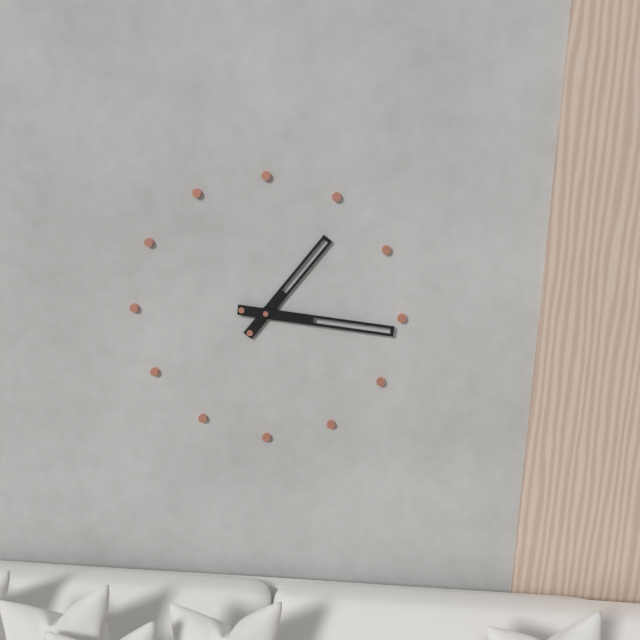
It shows 1,16
